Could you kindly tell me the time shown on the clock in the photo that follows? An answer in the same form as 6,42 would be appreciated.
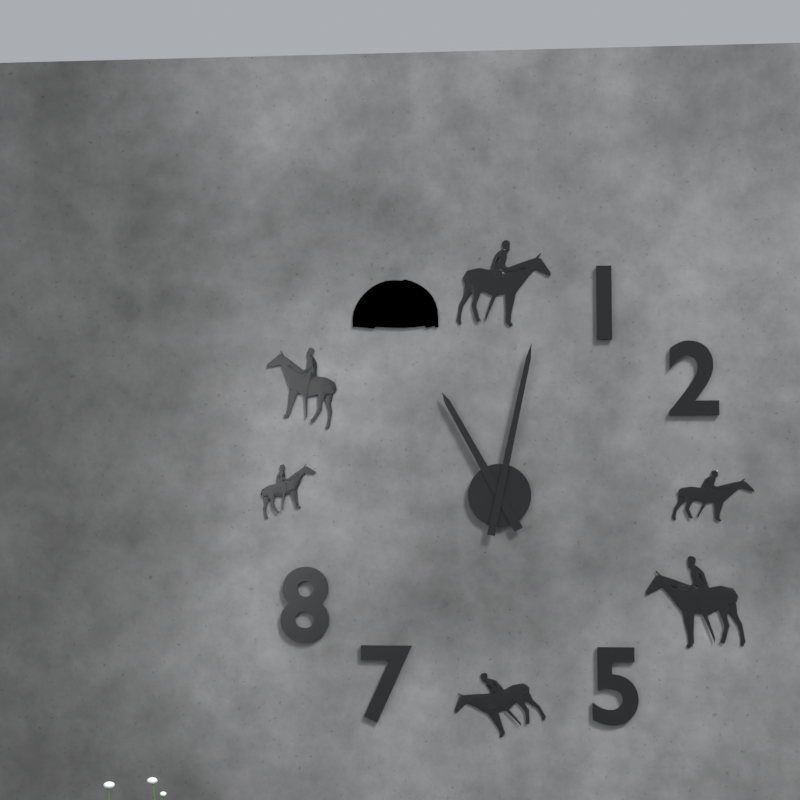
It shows 11,02
